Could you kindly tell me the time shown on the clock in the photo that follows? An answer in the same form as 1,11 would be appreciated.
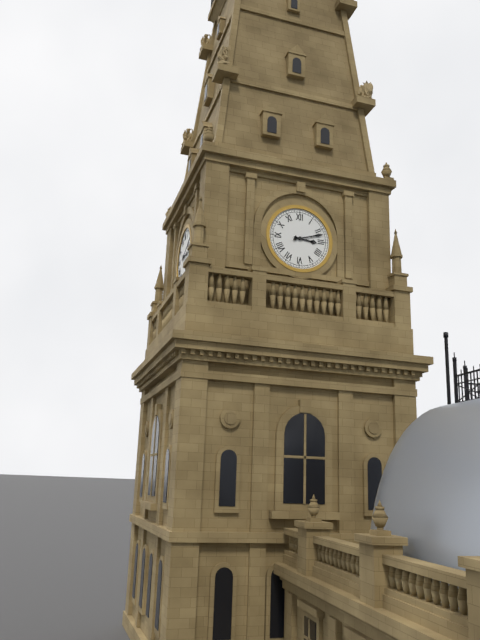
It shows 3,12
